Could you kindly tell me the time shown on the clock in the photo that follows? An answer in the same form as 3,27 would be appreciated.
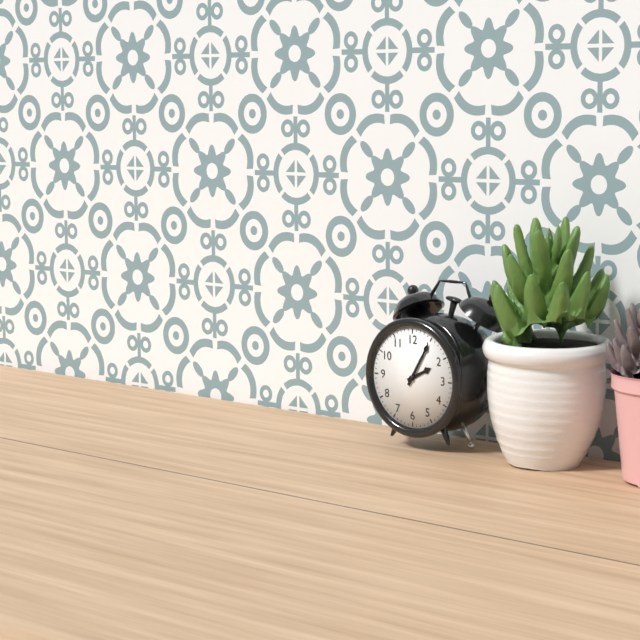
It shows 2,05
